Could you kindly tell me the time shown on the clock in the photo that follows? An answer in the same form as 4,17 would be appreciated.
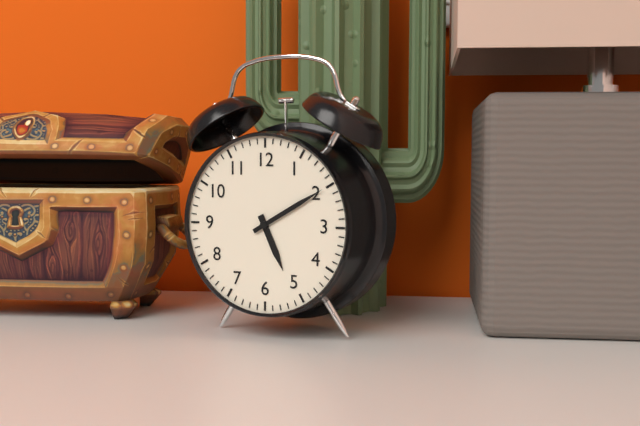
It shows 5,10
